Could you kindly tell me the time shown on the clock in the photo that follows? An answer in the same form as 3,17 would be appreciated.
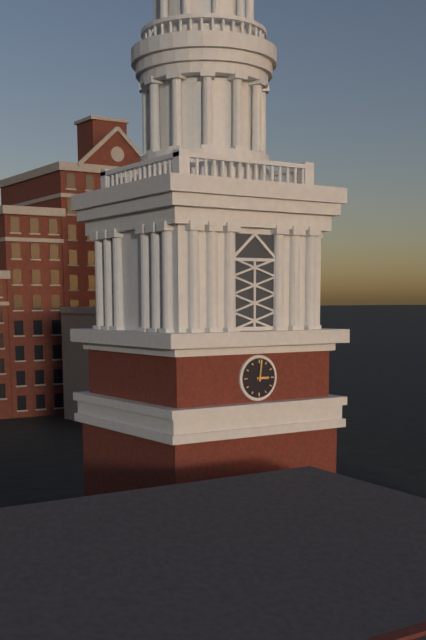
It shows 3,01
